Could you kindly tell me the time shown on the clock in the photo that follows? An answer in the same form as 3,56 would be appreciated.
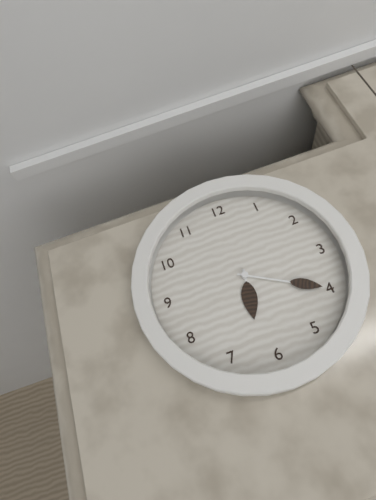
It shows 6,20
